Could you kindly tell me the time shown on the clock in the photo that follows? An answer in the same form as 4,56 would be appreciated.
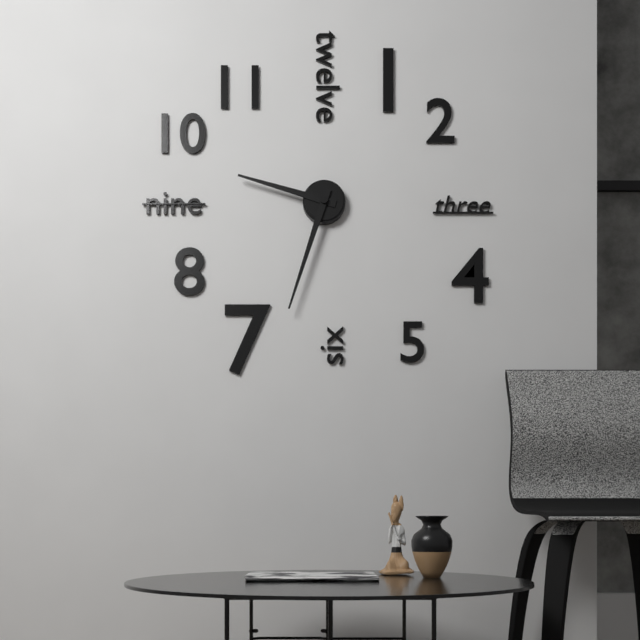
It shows 9,33
